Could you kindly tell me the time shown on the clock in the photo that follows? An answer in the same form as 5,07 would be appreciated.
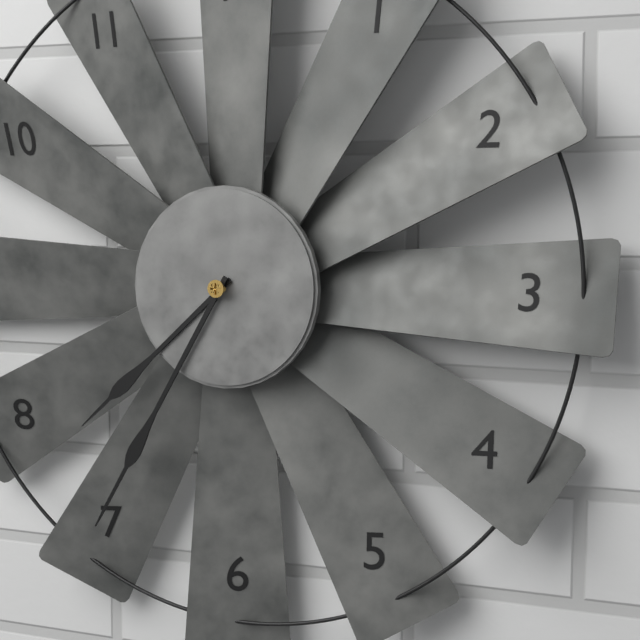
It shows 7,35
